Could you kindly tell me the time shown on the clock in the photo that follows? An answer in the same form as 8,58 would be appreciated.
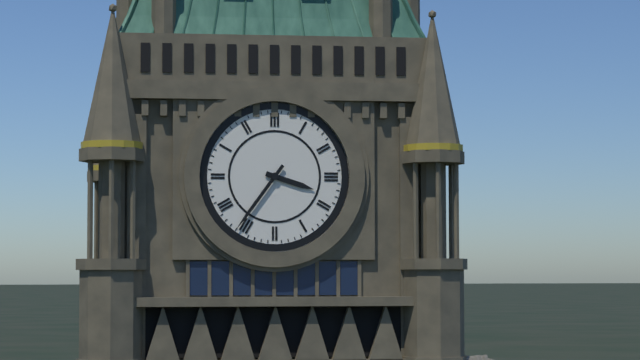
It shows 3,36
